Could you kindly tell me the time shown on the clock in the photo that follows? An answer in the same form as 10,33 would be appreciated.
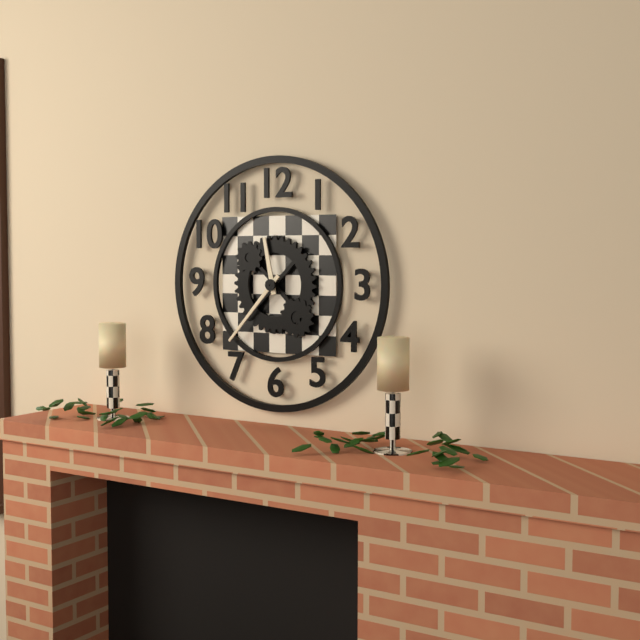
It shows 11,37
